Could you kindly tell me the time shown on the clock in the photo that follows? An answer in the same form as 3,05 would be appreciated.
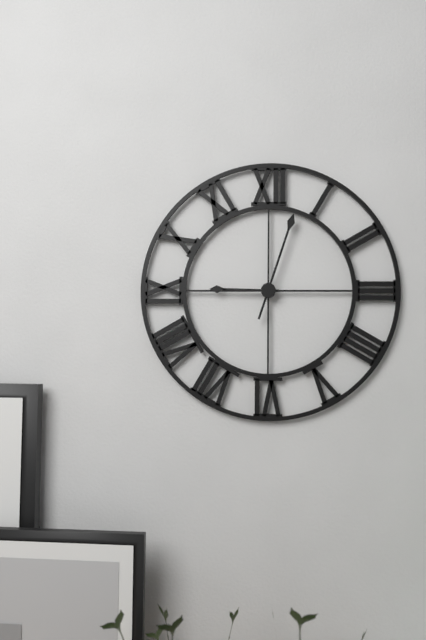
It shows 9,03
